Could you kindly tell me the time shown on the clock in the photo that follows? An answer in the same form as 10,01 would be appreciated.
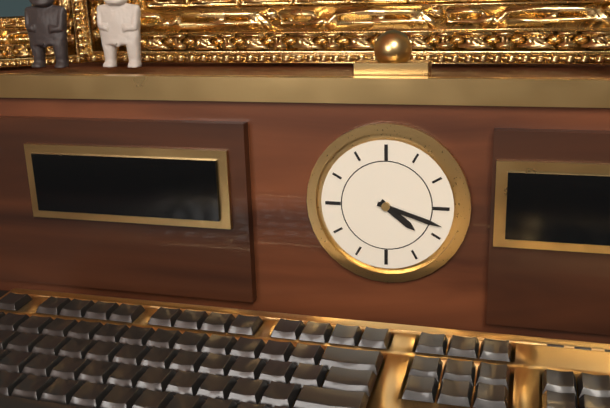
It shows 4,18
